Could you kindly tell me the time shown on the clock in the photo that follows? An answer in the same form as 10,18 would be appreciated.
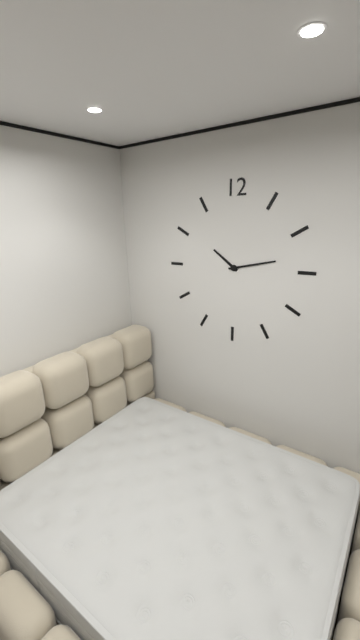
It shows 10,13
